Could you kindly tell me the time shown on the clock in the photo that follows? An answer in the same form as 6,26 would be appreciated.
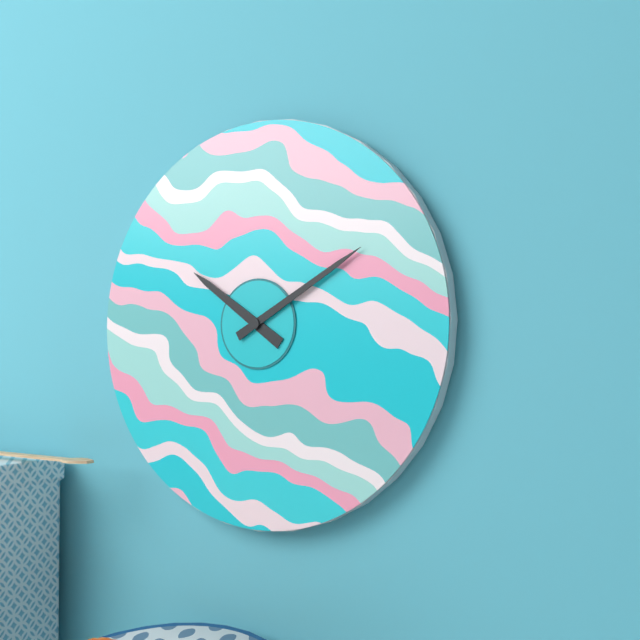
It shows 10,10
